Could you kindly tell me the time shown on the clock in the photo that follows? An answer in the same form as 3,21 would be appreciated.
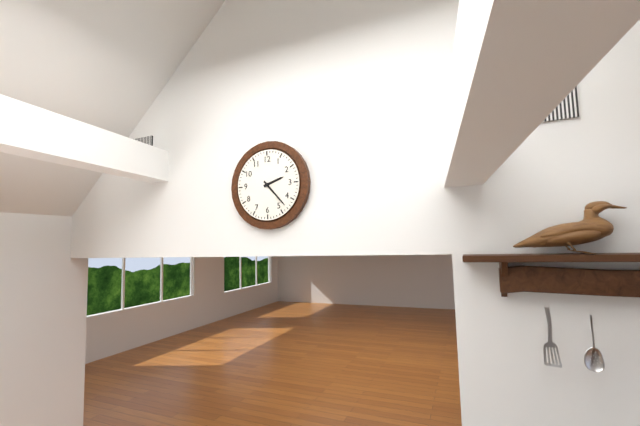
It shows 2,23
